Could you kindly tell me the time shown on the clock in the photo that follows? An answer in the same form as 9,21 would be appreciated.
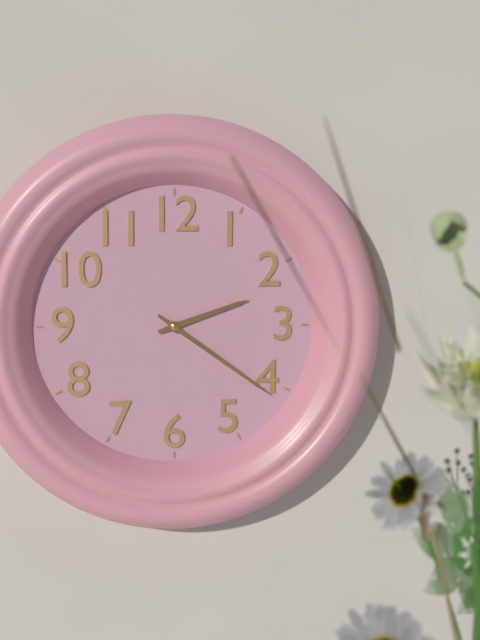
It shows 2,21
